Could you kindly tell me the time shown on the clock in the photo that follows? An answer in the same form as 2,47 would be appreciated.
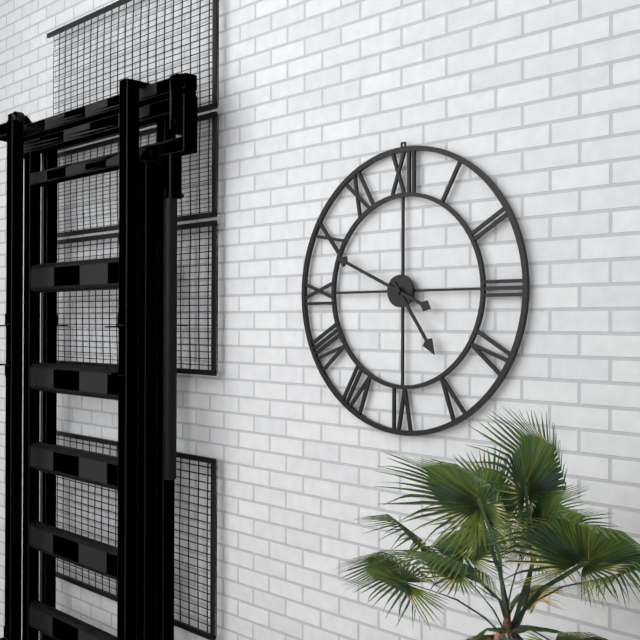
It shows 4,49
